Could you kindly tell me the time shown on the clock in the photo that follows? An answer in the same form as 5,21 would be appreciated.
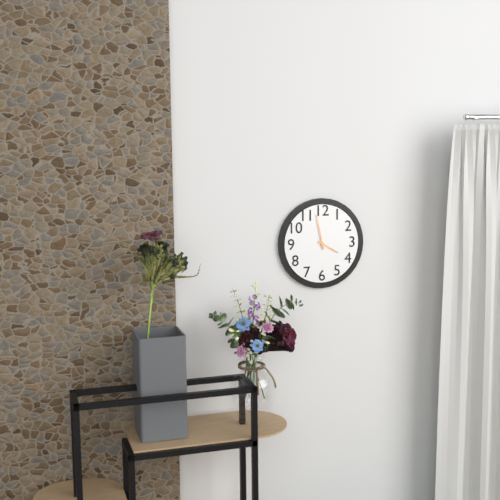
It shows 3,58
